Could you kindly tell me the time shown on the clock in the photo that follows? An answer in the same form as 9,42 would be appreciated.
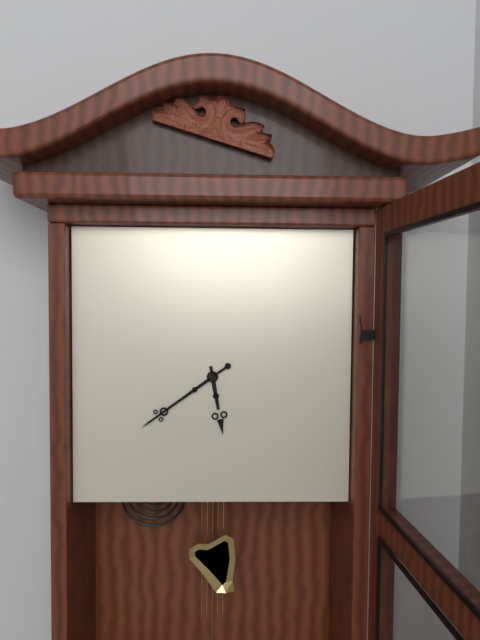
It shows 5,39
